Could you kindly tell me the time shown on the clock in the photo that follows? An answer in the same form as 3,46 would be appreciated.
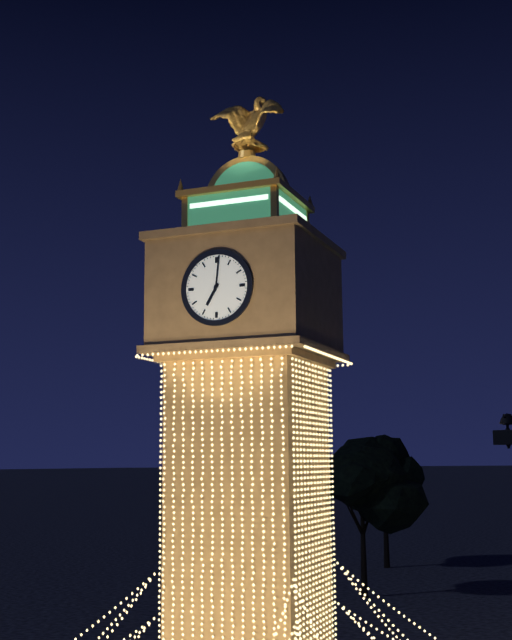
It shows 7,01
